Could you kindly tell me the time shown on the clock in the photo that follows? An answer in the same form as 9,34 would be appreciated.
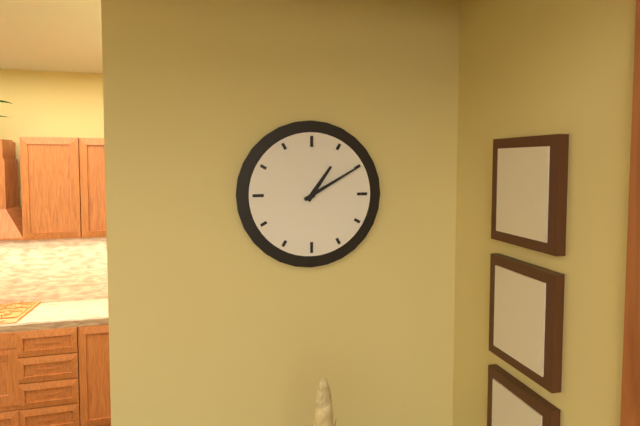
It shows 1,10
